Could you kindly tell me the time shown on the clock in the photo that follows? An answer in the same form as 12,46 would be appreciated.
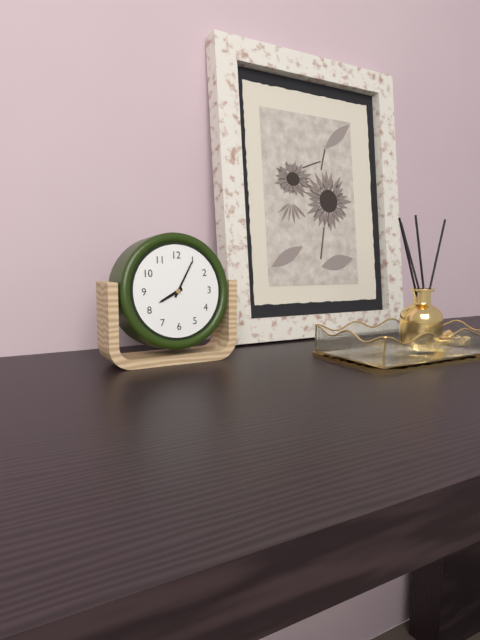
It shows 8,05
